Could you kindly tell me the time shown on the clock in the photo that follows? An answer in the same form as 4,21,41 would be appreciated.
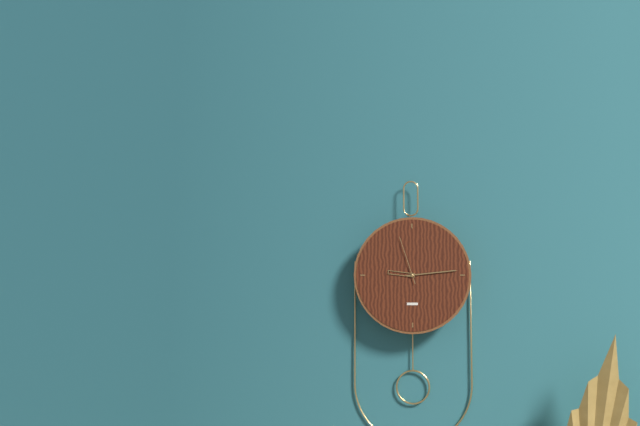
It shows 9,14,57
